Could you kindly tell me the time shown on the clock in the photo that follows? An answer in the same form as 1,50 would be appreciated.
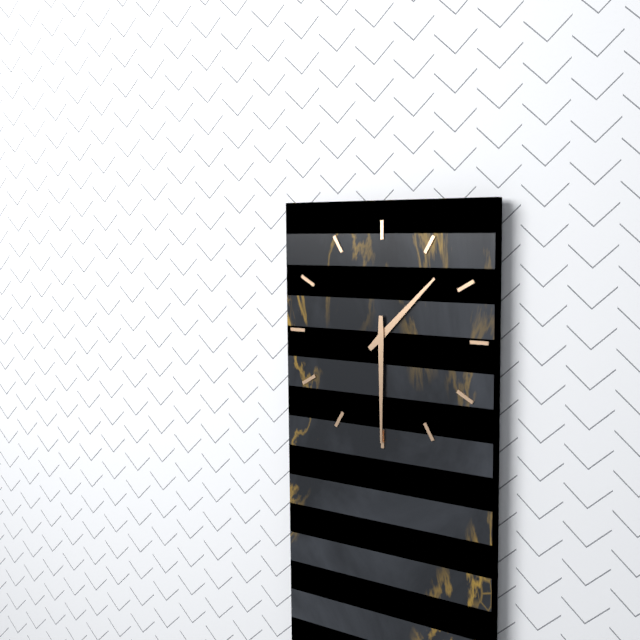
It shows 1,30
